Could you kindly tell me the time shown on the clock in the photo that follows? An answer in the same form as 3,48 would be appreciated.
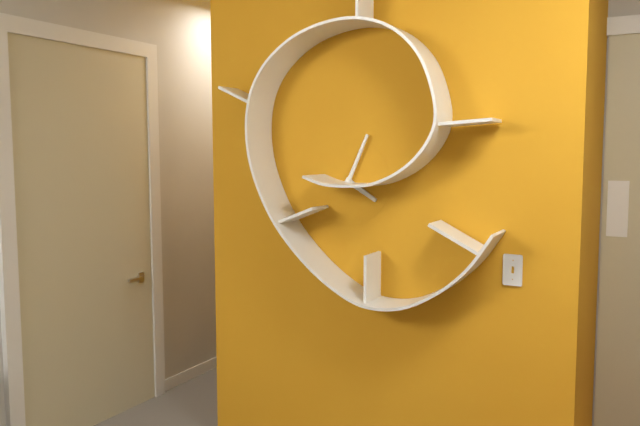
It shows 4,04
